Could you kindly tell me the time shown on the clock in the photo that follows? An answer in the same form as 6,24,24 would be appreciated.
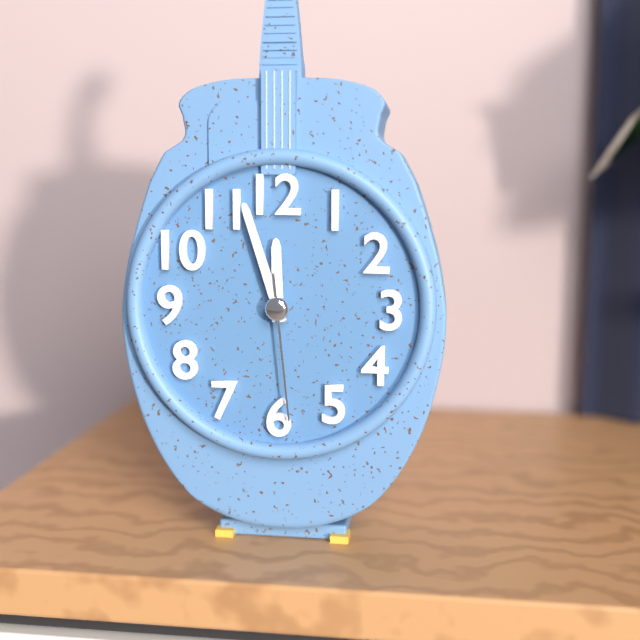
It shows 11,57,29
